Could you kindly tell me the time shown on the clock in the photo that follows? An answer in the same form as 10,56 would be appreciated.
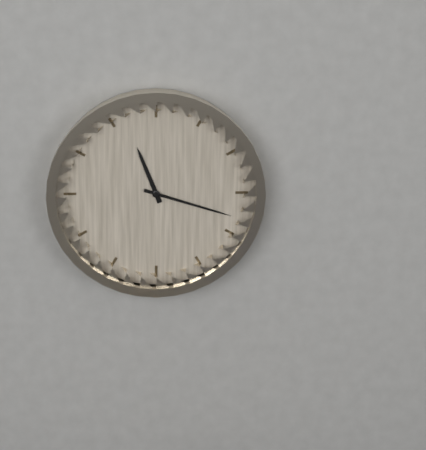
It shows 11,18
